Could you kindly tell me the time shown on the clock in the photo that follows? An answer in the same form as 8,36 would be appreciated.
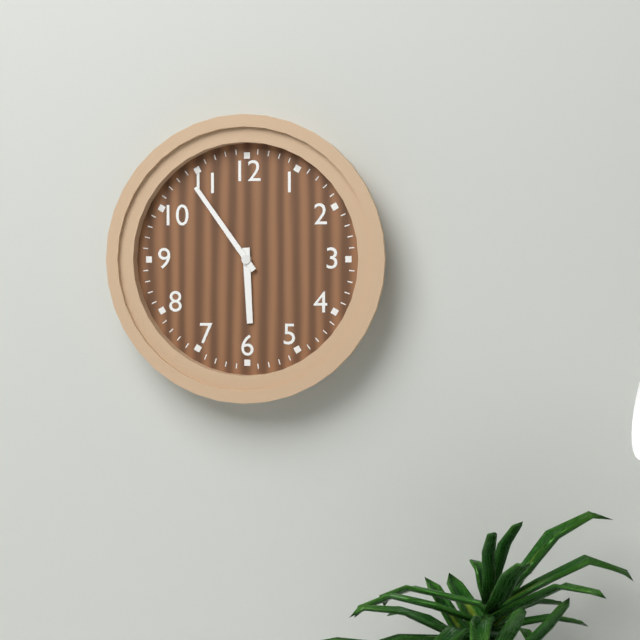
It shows 5,54
